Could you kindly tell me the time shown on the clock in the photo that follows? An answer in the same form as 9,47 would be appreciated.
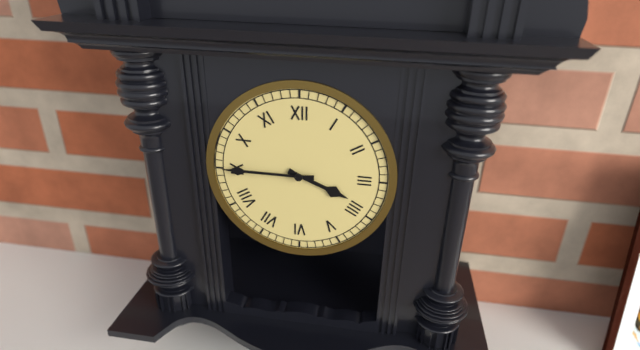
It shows 3,45
